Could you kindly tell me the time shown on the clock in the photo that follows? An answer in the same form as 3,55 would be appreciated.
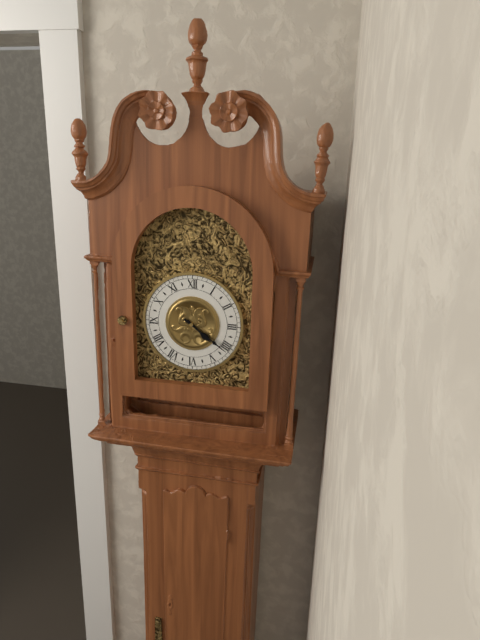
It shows 4,21
